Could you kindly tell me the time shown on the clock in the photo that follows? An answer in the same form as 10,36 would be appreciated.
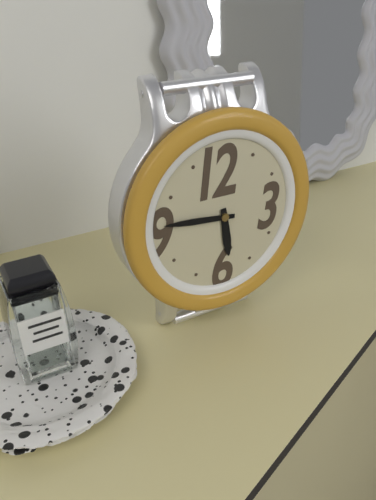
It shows 5,46
